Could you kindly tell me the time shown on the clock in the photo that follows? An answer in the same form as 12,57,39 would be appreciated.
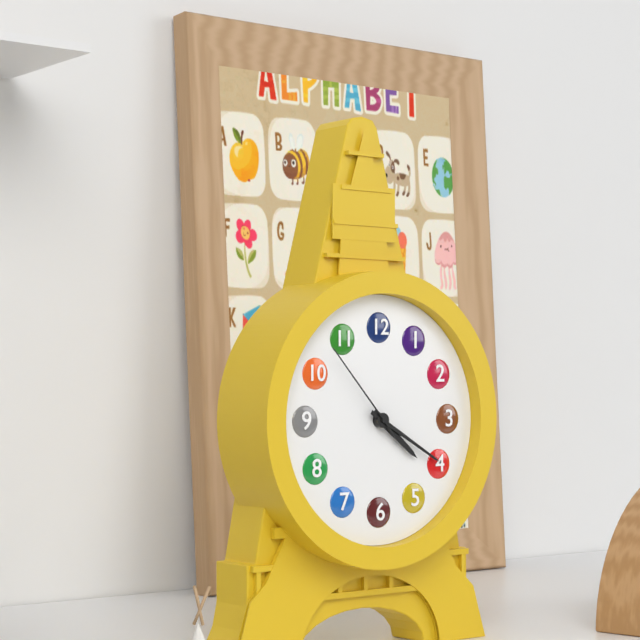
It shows 4,20,53
